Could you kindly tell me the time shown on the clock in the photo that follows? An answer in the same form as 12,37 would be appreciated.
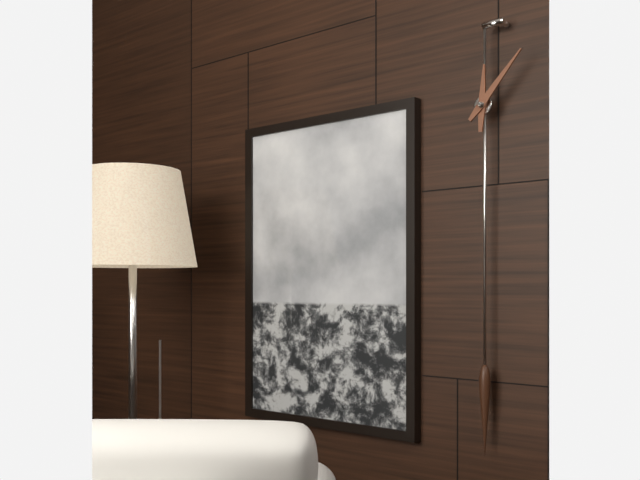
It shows 12,07
